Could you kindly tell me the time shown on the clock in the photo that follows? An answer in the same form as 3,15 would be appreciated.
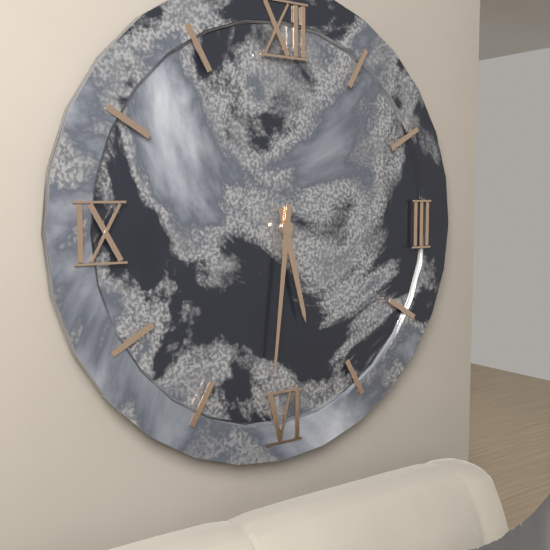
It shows 5,31
